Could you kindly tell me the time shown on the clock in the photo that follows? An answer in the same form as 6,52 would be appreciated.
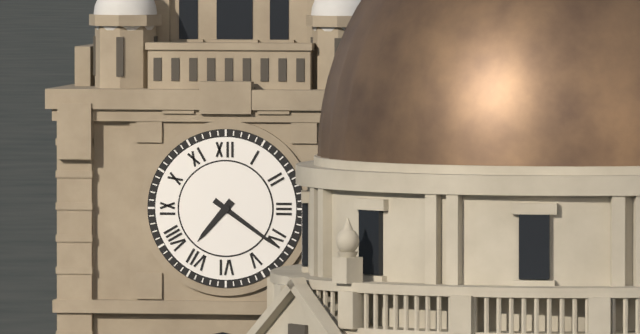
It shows 7,21
